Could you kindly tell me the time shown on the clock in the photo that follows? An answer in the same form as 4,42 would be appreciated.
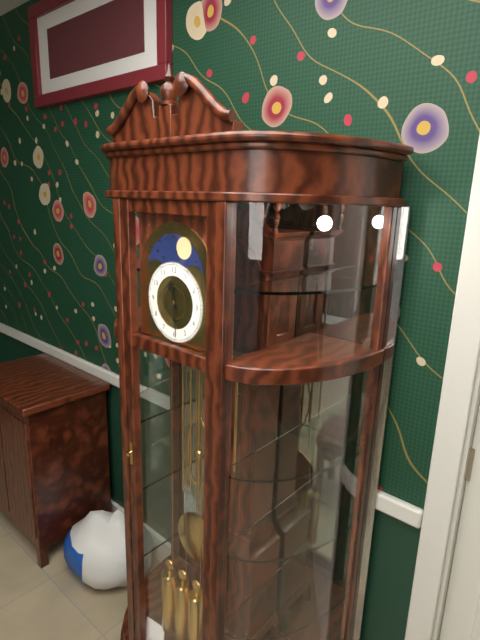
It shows 11,29
